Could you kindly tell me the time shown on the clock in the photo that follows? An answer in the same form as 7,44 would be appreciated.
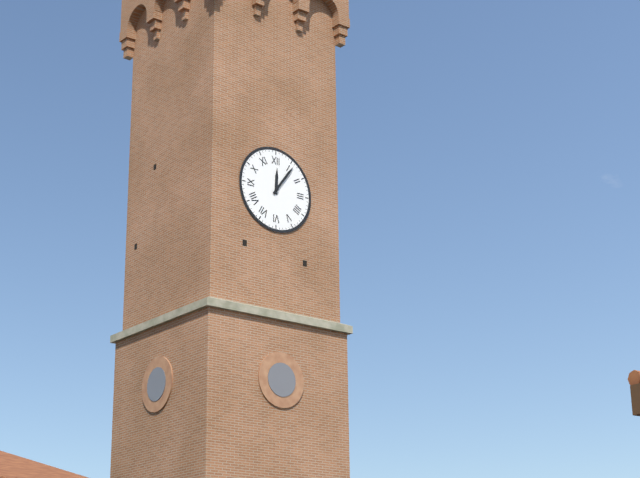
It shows 12,06
